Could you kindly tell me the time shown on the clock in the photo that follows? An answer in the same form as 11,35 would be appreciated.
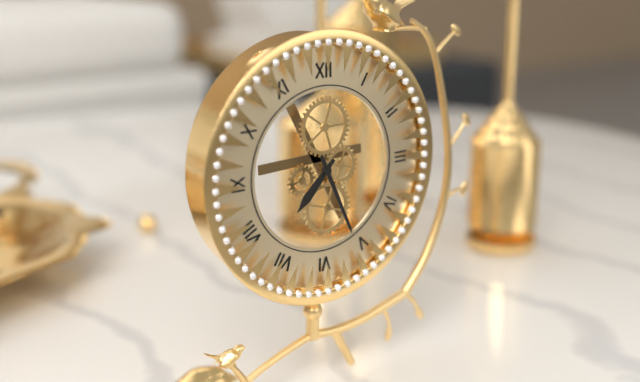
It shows 7,26
